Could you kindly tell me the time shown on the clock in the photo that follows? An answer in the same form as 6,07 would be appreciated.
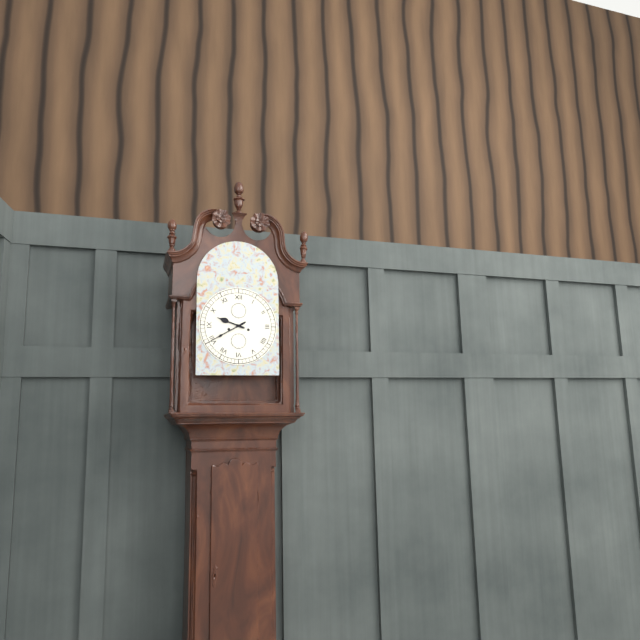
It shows 9,40
